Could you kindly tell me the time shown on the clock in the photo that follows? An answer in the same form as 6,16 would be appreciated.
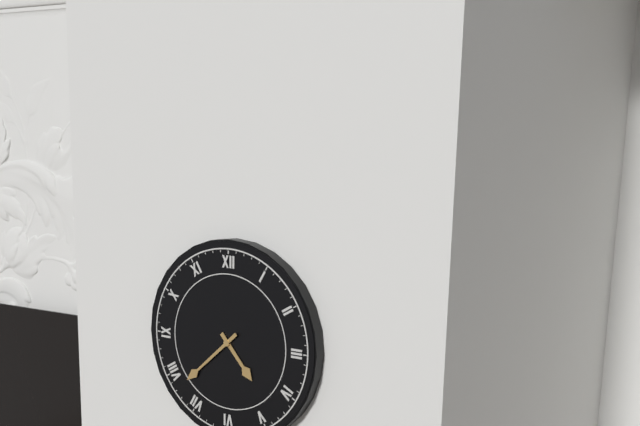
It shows 4,38
